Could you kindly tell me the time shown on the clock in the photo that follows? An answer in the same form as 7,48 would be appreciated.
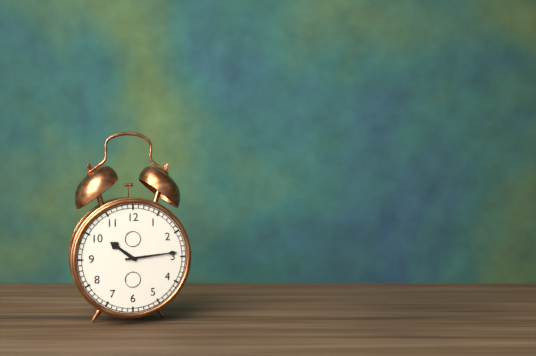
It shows 10,14
